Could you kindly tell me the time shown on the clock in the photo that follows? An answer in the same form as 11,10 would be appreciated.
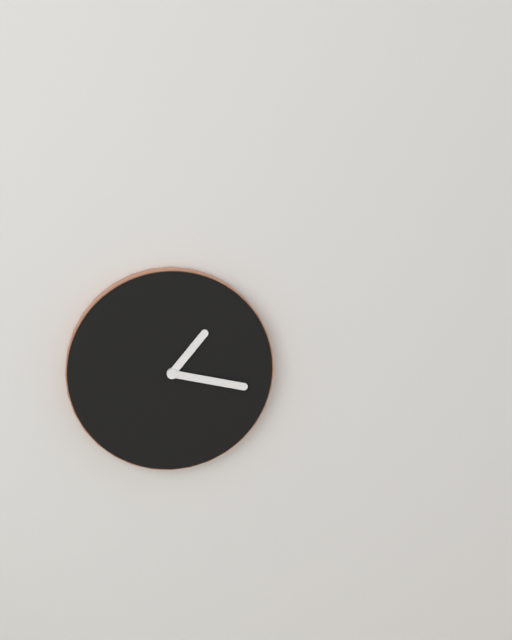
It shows 1,17
